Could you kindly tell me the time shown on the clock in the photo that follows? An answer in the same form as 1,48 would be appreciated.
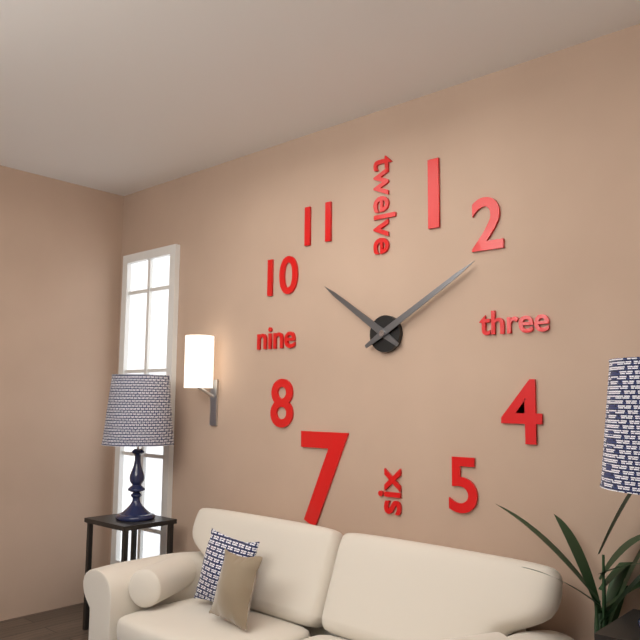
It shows 10,10
